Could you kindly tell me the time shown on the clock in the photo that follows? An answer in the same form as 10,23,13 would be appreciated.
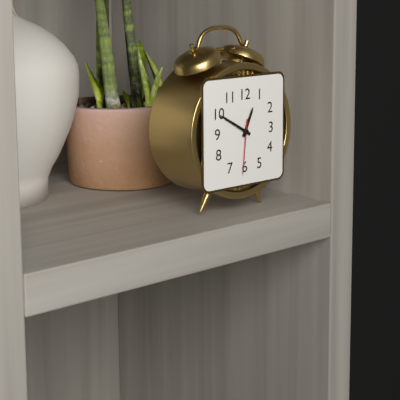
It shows 12,50,31
